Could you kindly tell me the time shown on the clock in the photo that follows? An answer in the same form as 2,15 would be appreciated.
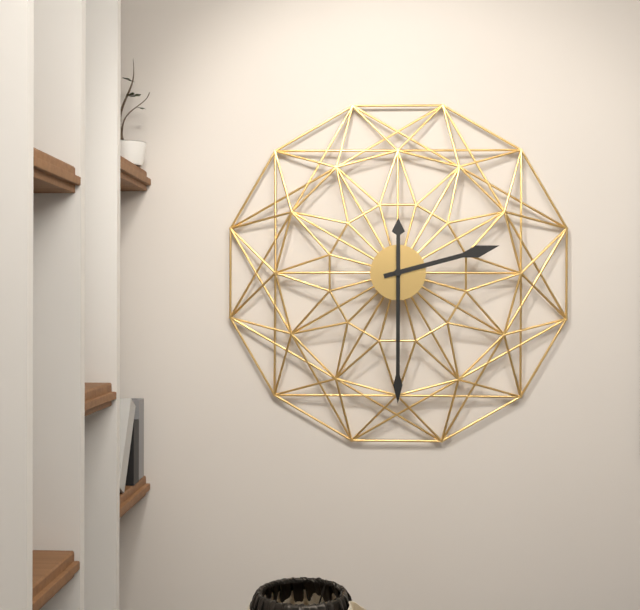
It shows 2,30
